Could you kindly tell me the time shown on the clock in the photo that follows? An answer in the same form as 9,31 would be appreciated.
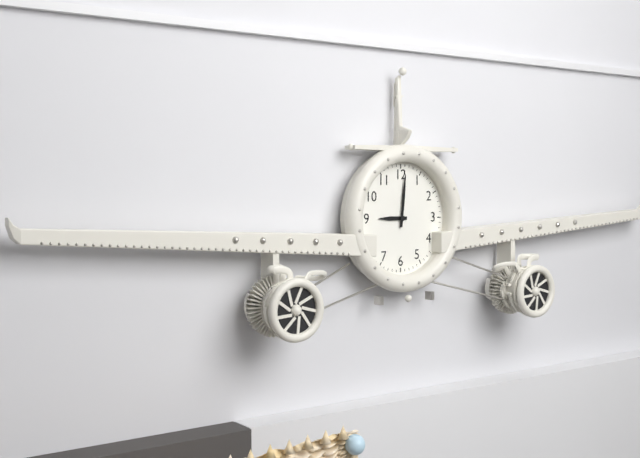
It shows 9,01
